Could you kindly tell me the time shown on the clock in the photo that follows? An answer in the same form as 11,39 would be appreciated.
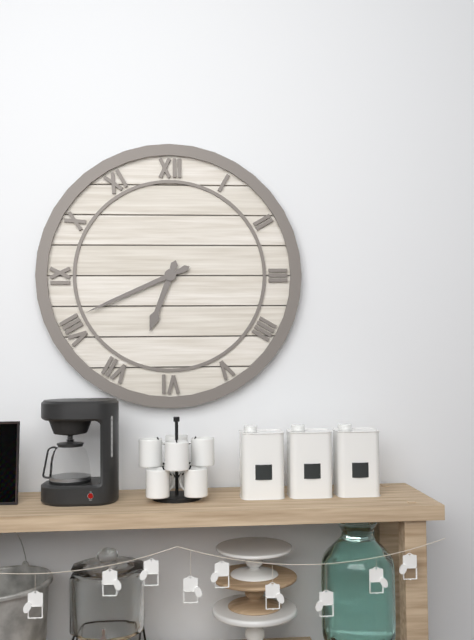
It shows 6,41
